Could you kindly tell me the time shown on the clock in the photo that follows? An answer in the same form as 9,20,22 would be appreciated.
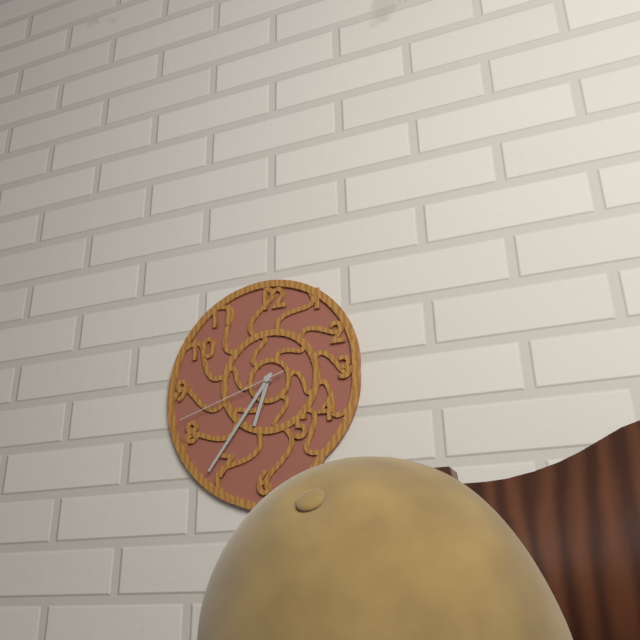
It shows 6,36,42
